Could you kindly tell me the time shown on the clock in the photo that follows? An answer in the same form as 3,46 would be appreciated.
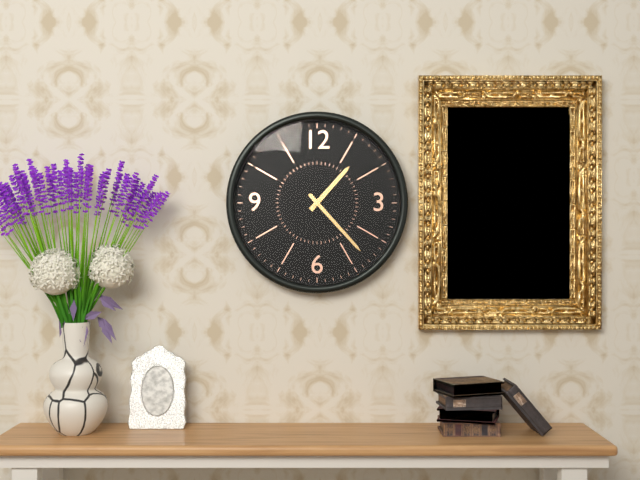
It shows 1,23
